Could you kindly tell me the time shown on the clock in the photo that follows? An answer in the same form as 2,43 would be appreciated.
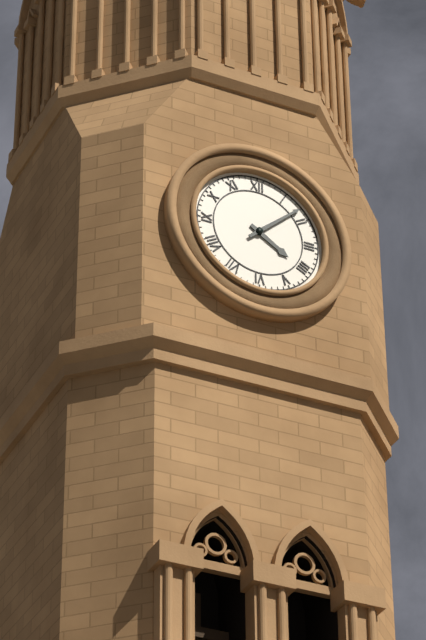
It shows 4,08
